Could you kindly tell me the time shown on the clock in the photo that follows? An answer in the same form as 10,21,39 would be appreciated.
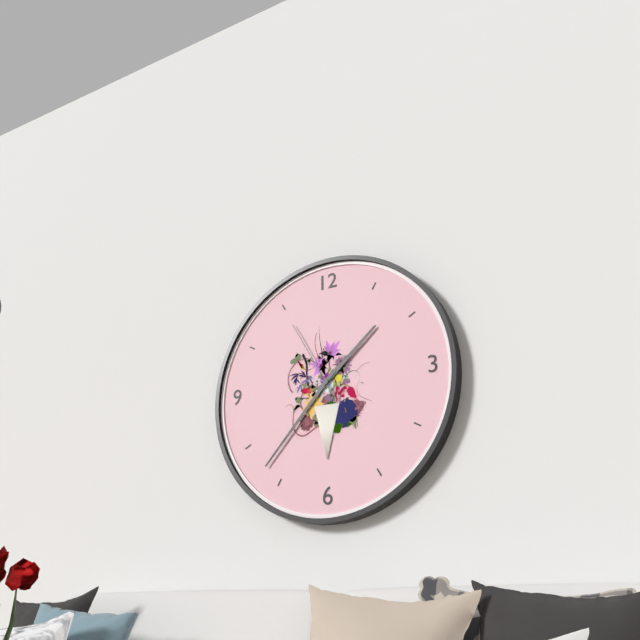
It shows 1,37,55
